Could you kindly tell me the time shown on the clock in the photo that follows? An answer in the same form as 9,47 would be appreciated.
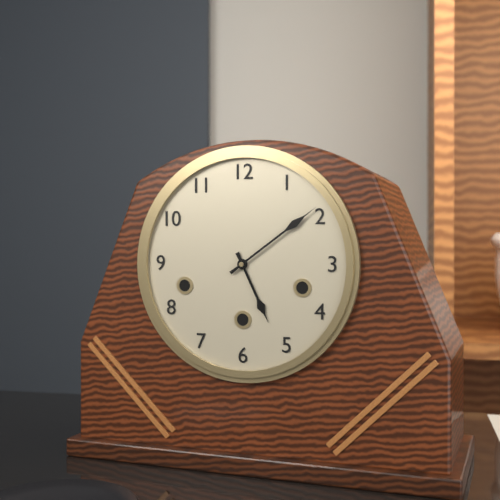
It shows 5,09
